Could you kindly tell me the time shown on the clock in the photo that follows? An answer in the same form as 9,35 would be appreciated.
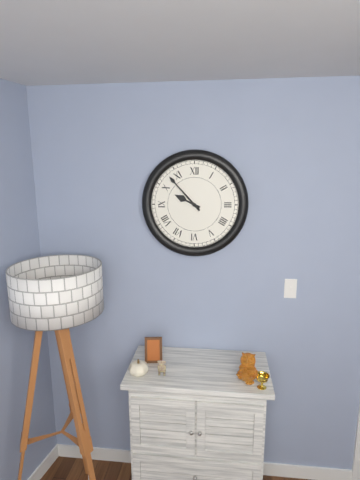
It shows 9,53
